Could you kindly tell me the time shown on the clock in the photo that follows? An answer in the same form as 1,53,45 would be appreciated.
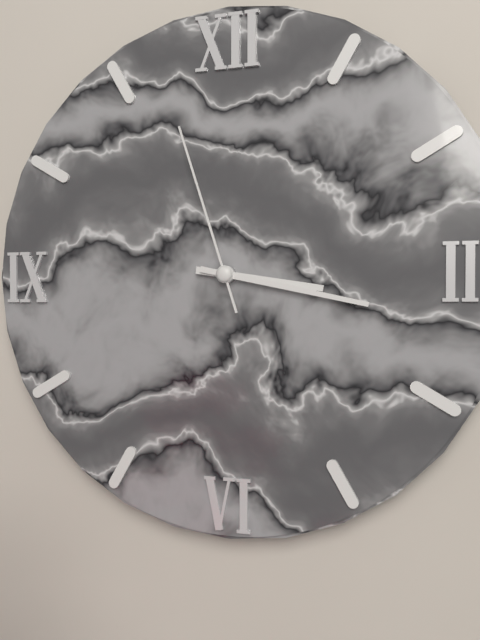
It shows 3,17,57
